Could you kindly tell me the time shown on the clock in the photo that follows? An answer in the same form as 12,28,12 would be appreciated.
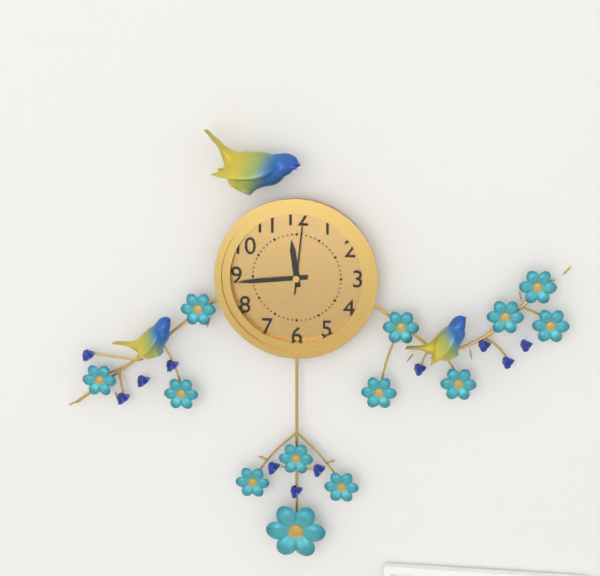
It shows 11,44,01
